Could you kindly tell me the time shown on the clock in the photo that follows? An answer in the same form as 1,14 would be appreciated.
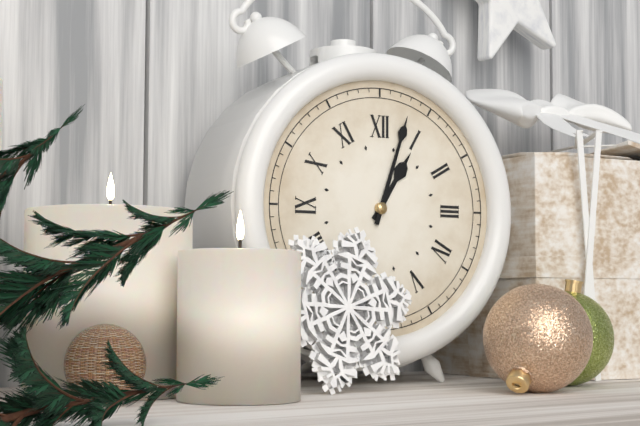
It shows 1,03
